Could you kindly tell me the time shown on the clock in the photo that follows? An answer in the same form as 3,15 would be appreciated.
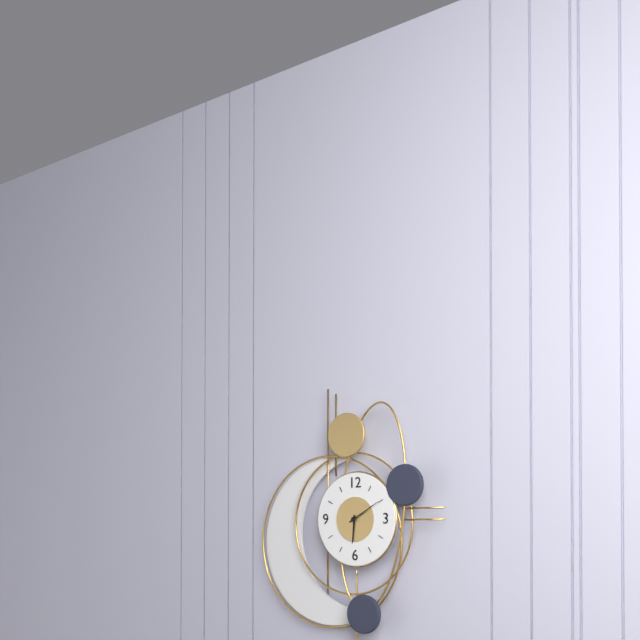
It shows 6,10
